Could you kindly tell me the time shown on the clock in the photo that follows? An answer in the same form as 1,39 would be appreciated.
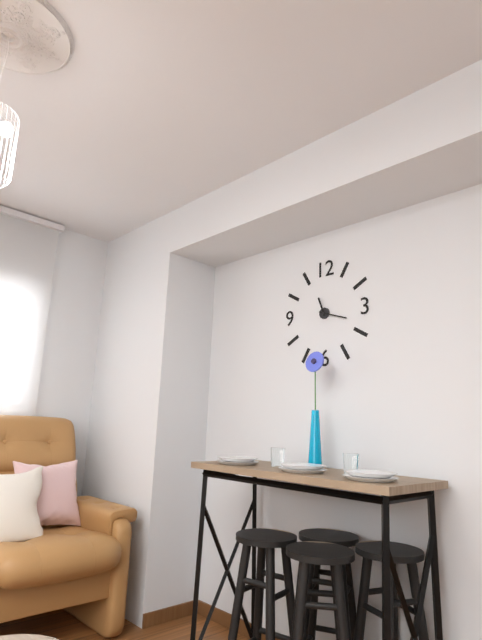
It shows 11,18
